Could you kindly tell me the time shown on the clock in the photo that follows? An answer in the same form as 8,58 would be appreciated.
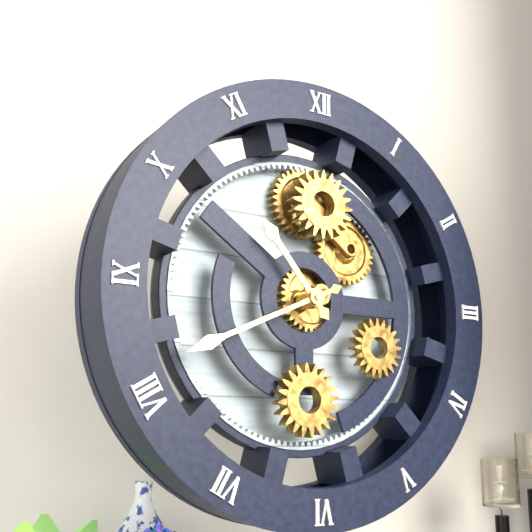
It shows 10,41
